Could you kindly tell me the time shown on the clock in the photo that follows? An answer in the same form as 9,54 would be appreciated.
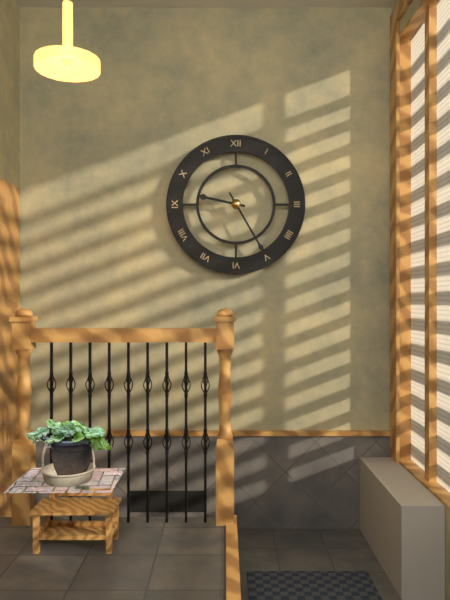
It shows 9,25
